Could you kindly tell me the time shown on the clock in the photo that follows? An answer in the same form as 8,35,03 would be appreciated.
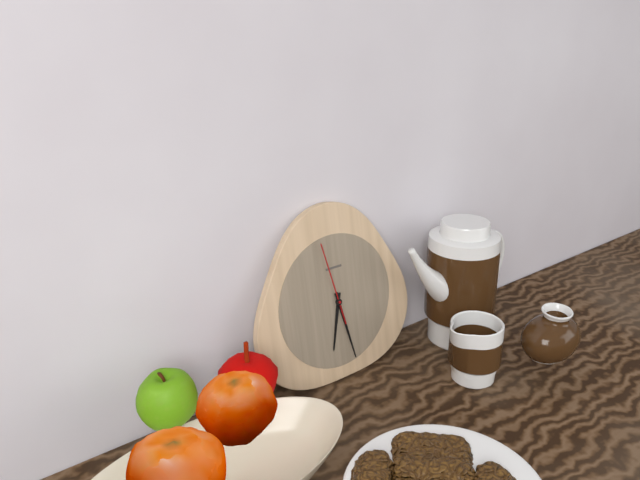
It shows 6,28,58
